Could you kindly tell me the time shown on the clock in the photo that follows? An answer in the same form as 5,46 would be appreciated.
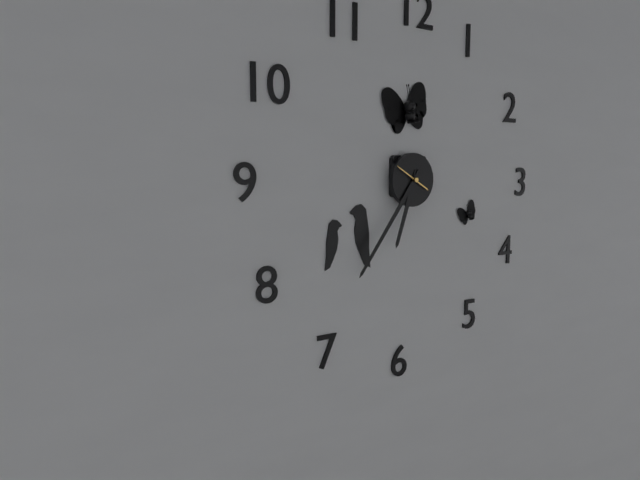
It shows 6,36
